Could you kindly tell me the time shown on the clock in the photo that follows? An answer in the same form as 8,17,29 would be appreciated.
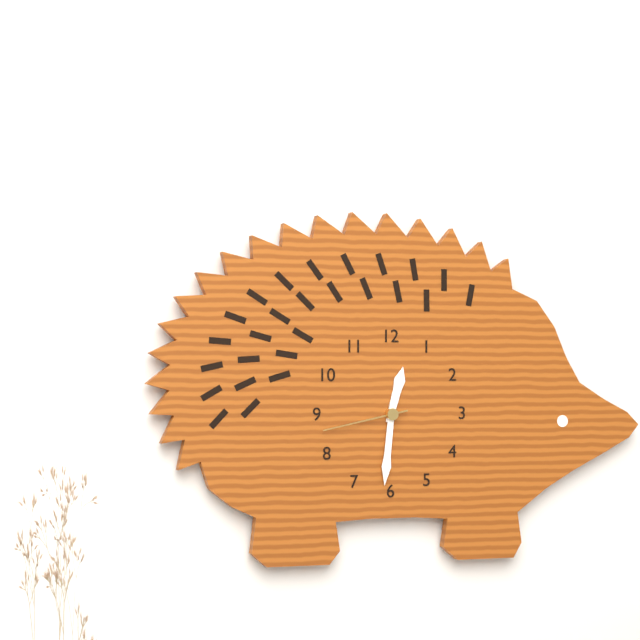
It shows 12,31,43
